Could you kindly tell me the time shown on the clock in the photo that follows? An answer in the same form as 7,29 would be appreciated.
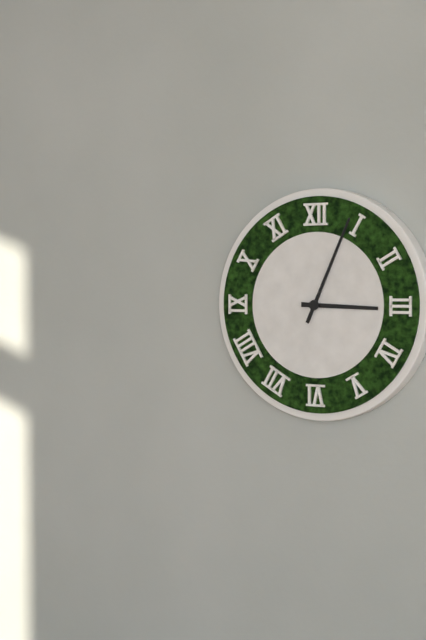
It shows 3,04
